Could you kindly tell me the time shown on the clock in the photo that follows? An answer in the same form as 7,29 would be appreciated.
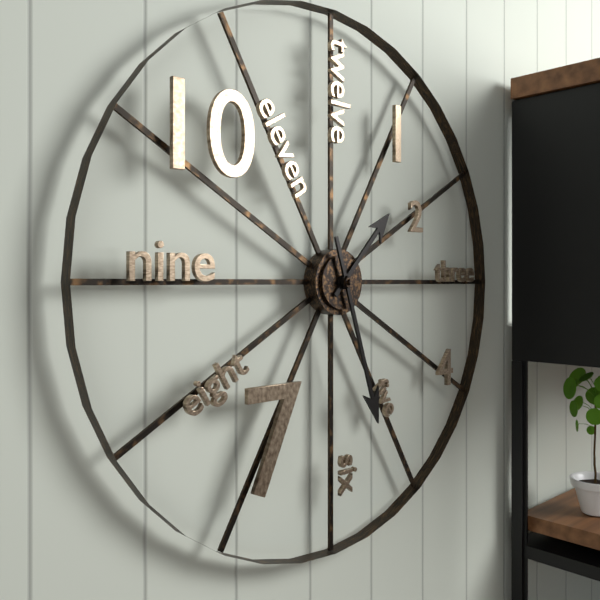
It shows 1,27
